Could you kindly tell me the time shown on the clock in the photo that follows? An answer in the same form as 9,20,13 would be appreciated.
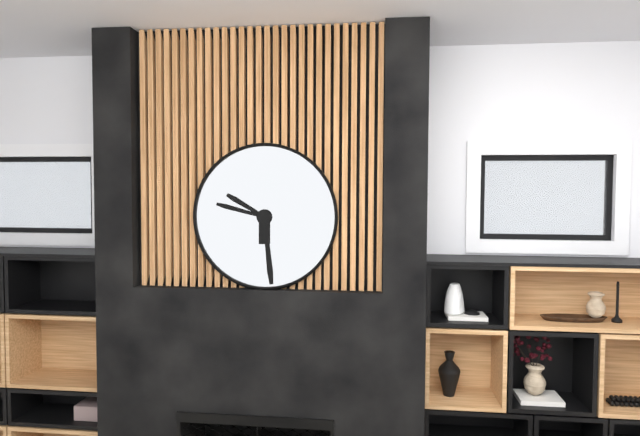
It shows 9,29,50
